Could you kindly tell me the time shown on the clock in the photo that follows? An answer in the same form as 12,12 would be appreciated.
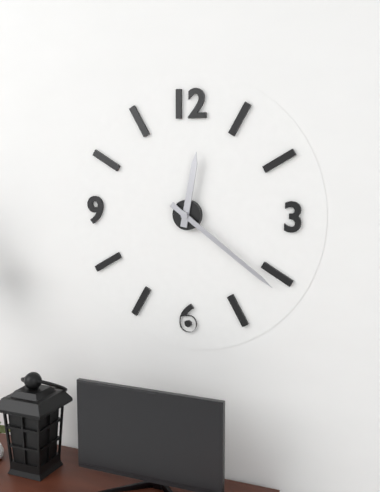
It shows 12,21
